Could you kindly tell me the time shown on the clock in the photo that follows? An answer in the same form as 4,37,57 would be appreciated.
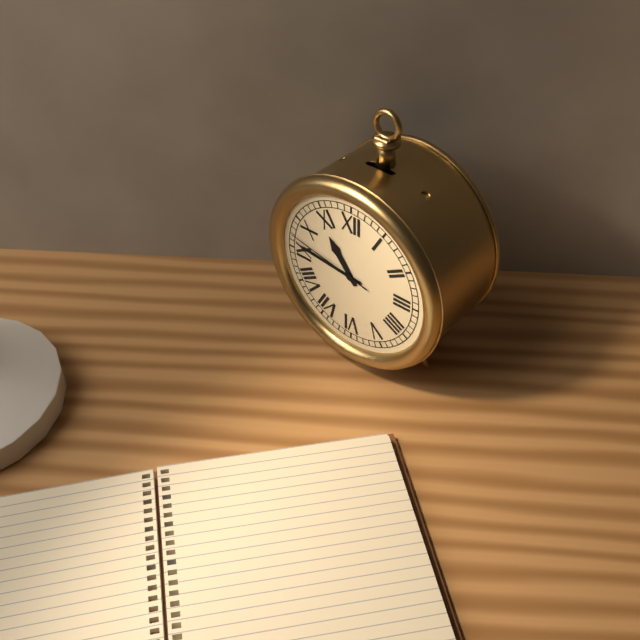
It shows 10,46,47
